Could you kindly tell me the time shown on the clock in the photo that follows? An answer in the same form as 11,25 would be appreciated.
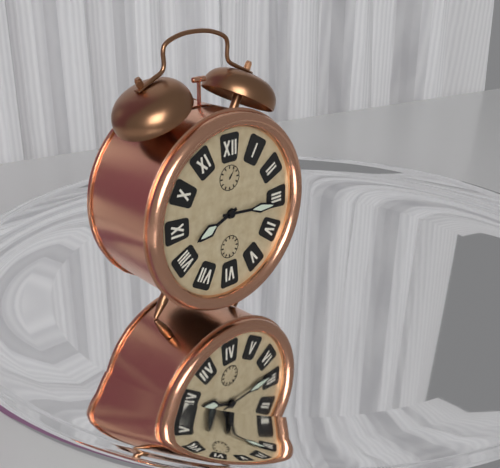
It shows 8,16
